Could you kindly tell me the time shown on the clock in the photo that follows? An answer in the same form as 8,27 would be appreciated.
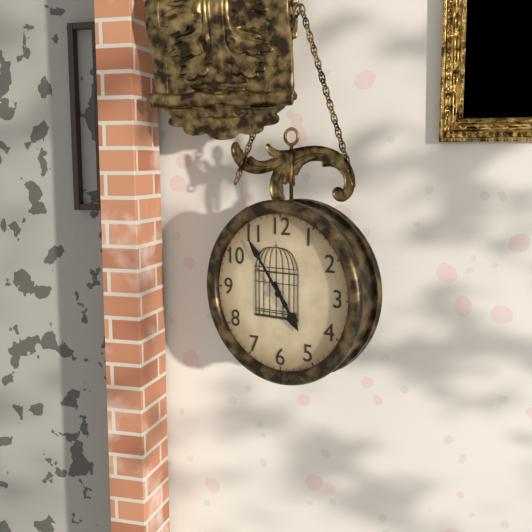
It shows 4,54
